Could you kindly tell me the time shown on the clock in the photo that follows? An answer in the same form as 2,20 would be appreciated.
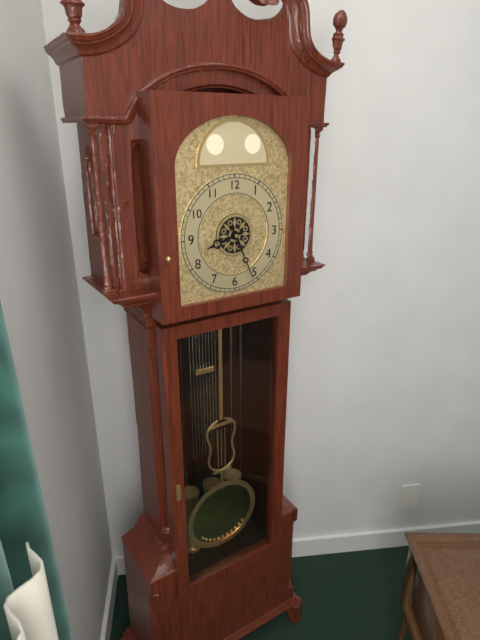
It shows 8,26
